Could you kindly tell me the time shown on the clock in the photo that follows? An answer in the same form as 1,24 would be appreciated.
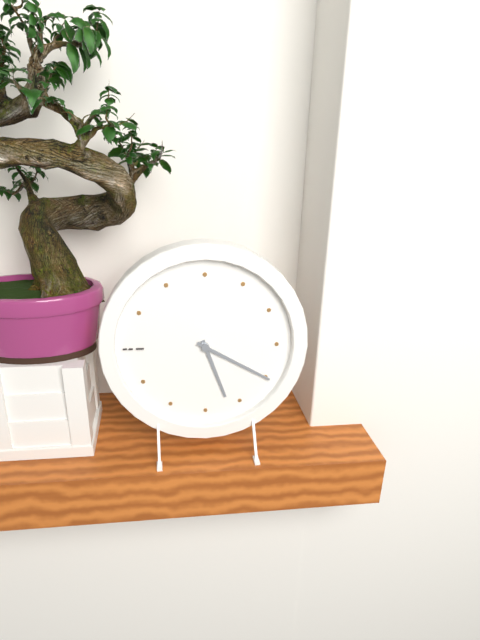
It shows 5,20
